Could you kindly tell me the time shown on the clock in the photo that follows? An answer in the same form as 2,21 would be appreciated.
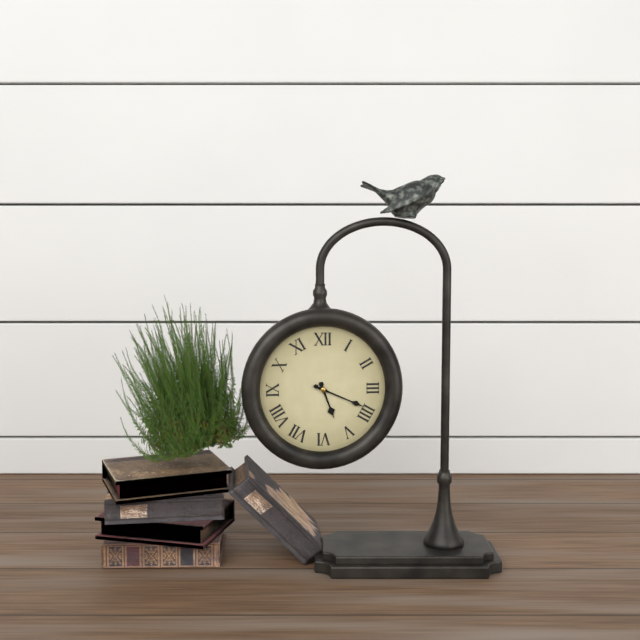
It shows 5,19
